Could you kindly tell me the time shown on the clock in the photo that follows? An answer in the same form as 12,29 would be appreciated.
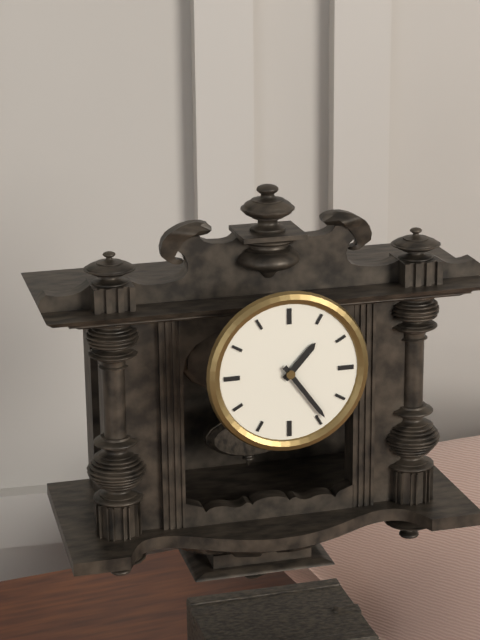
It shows 1,24
